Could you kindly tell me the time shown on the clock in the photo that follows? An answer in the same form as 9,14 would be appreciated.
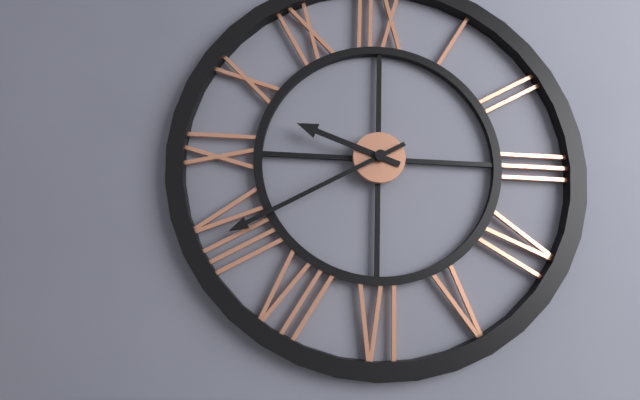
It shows 9,40
